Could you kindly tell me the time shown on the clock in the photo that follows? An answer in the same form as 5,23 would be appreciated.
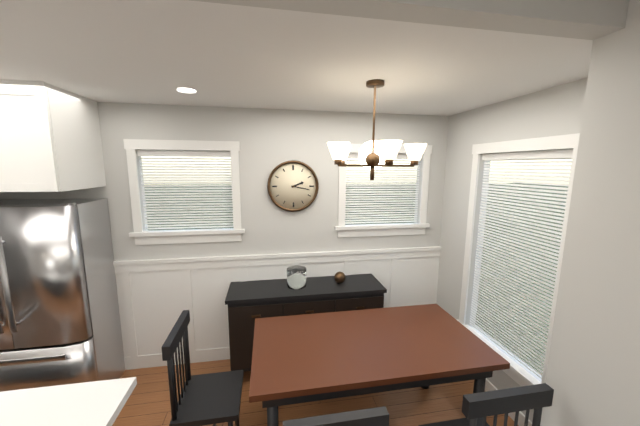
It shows 2,17
